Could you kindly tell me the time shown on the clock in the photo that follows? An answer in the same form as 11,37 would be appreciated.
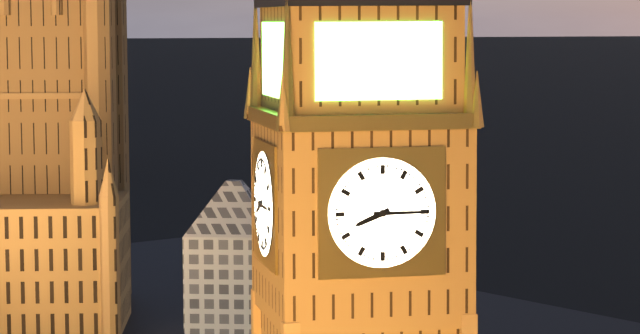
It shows 8,15
